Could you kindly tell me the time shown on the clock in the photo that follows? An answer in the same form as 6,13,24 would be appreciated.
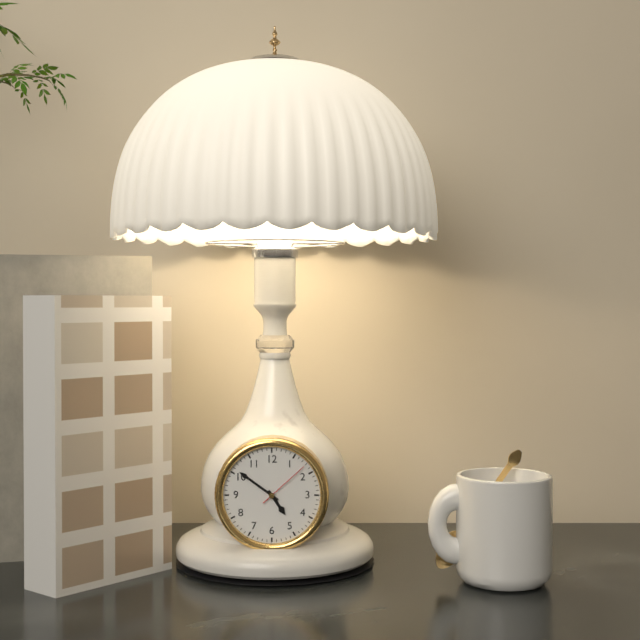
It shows 4,51,08
